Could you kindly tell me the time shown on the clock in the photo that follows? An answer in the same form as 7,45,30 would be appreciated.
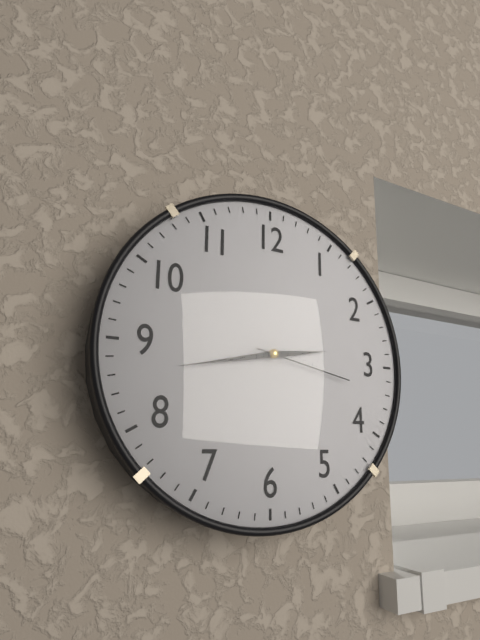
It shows 2,43,17
